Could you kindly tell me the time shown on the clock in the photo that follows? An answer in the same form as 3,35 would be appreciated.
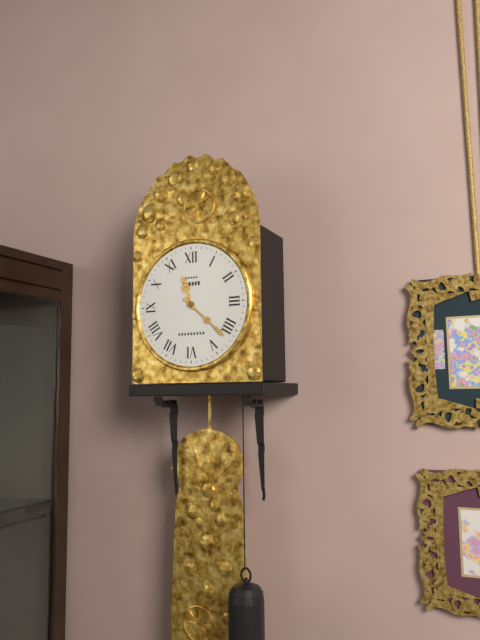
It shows 11,22
